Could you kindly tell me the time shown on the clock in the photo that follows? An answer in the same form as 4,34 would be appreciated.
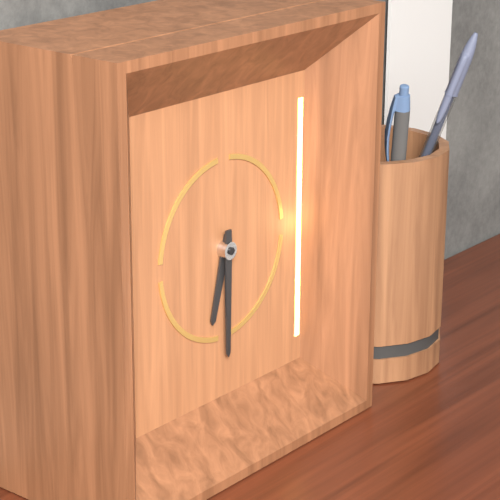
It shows 6,30
